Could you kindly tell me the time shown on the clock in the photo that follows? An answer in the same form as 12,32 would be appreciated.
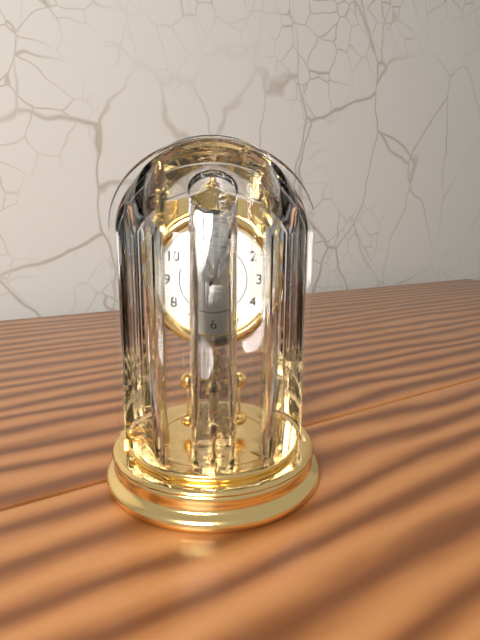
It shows 1,05
